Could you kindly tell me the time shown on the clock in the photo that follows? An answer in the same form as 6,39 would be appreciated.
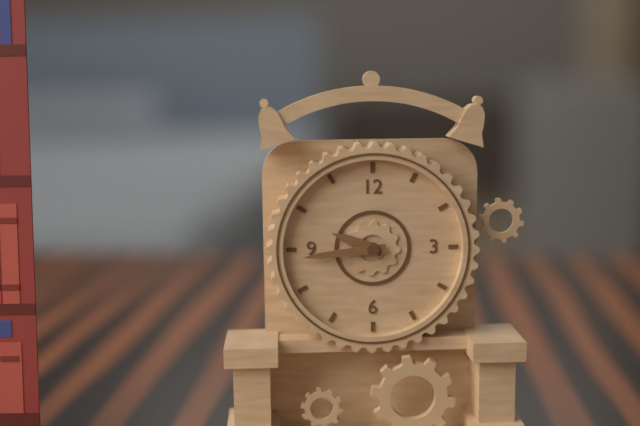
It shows 9,44
